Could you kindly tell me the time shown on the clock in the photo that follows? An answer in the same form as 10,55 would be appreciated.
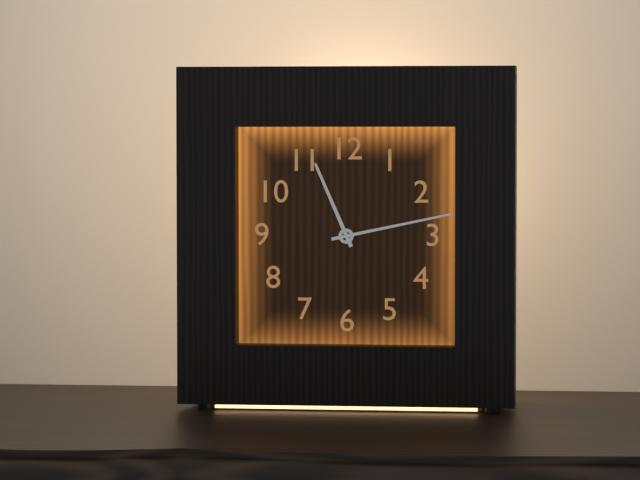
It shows 11,13
